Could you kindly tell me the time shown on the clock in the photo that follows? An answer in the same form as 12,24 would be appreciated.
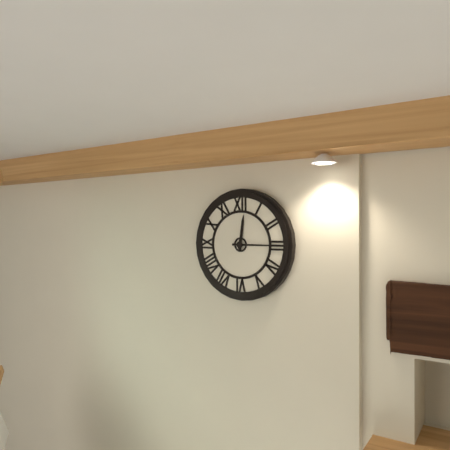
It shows 12,15
